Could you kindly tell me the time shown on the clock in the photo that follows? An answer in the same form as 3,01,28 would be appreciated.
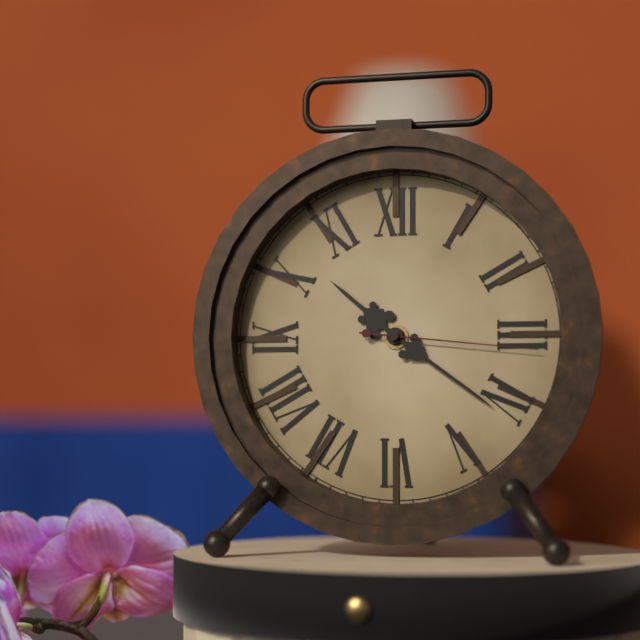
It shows 10,21,16
